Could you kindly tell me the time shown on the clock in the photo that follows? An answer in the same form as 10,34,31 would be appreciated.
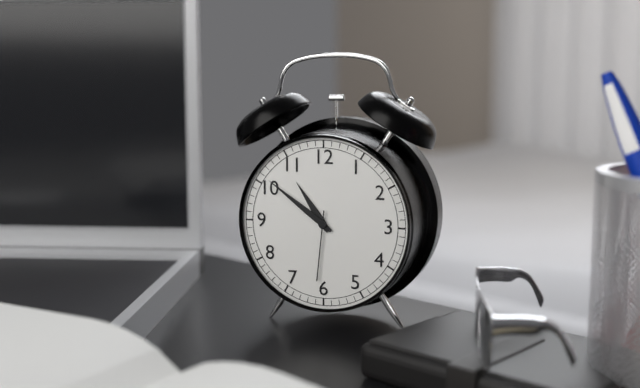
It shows 10,51,31
